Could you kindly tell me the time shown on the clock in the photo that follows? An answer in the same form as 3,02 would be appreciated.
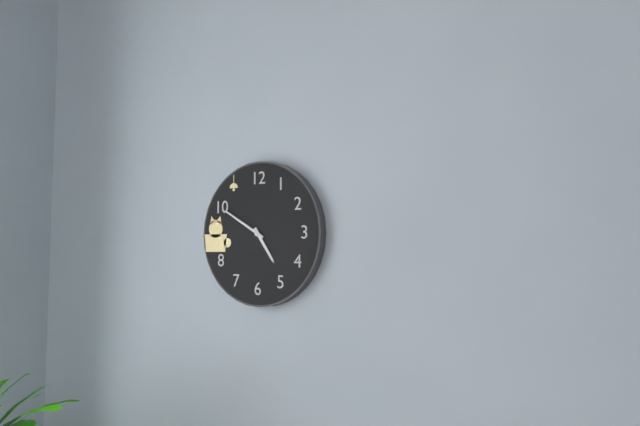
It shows 4,50
